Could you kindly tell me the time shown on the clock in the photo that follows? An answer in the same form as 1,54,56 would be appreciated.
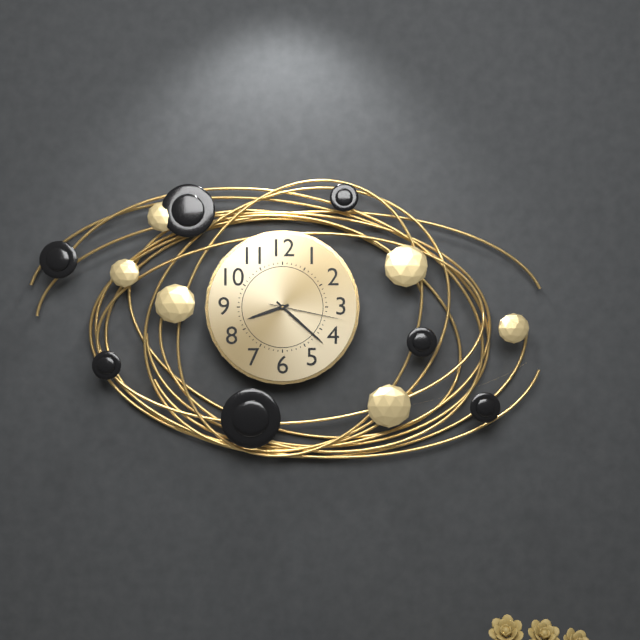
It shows 8,22,17
